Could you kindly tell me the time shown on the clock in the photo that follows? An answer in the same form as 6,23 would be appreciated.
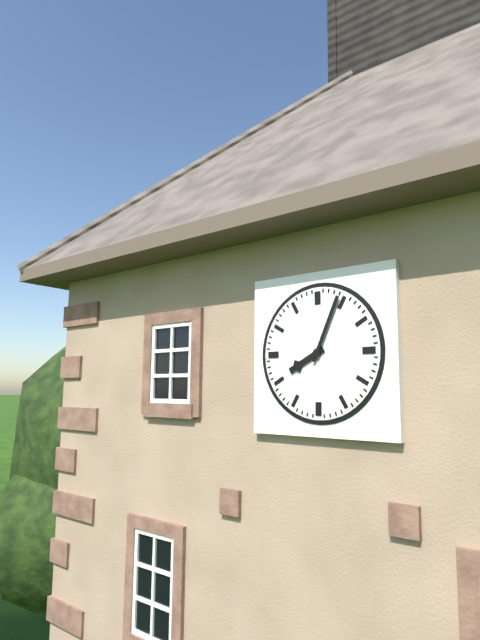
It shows 8,04
